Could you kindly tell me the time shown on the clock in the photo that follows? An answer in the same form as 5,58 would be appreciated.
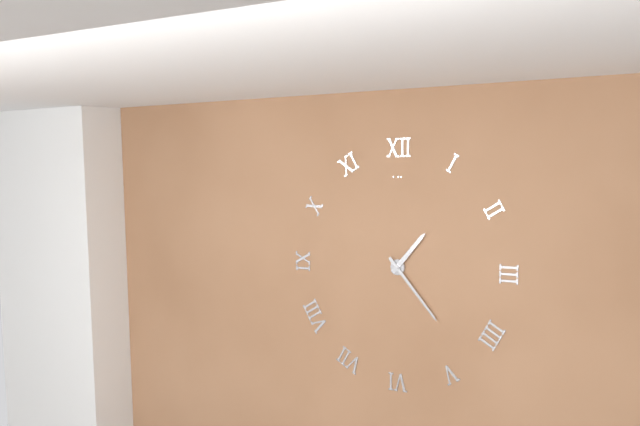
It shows 1,23
